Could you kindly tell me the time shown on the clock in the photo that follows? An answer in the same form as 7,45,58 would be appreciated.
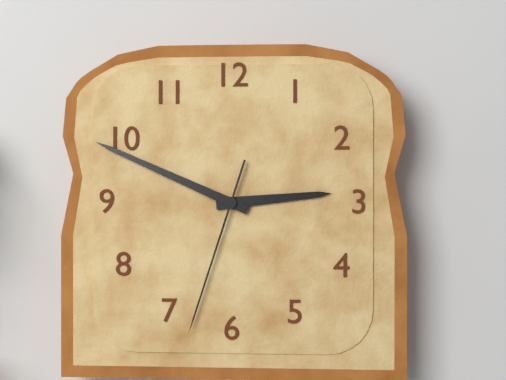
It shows 2,49,33
